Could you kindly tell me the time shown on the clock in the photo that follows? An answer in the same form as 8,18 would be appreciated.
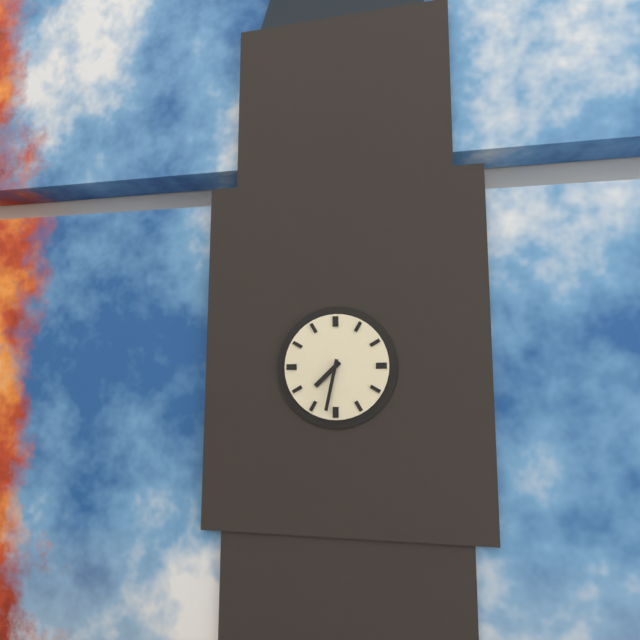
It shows 7,32
